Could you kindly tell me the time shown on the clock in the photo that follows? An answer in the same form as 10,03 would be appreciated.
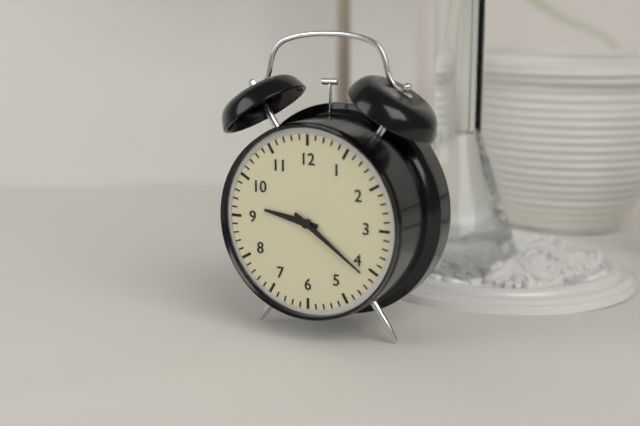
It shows 9,21
